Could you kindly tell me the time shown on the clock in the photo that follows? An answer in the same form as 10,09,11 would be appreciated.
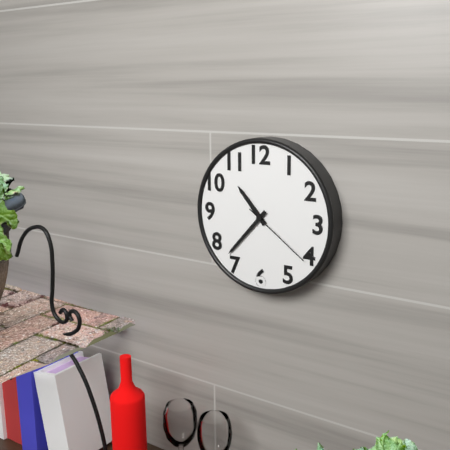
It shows 10,37,21
